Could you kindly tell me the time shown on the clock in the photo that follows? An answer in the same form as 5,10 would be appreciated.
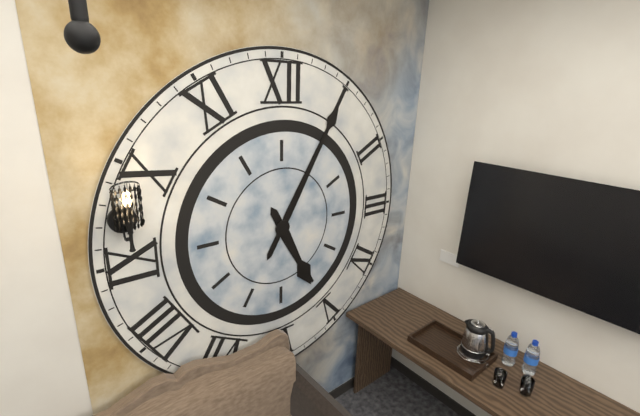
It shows 5,05
